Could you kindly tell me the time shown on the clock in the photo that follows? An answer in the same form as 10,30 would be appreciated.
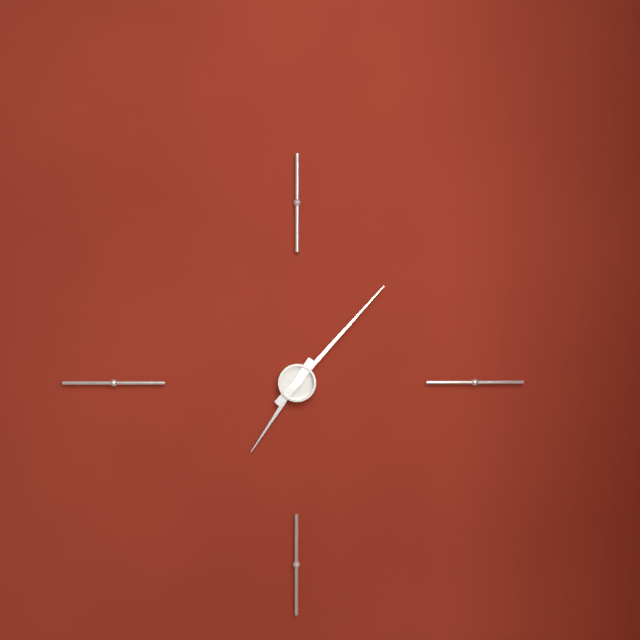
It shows 7,07
